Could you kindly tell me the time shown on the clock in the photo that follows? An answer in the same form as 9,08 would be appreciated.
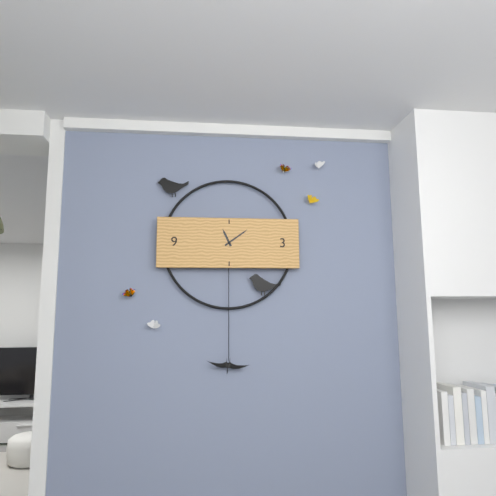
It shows 11,09
